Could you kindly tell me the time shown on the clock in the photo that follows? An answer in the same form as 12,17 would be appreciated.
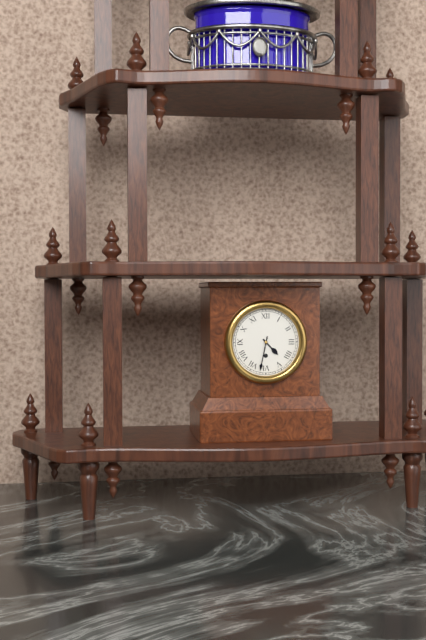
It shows 4,32
